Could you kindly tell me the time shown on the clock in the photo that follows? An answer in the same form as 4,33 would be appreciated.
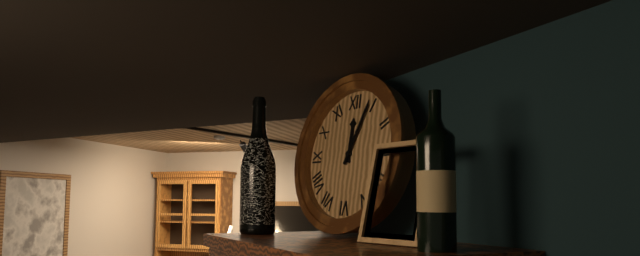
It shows 12,04
